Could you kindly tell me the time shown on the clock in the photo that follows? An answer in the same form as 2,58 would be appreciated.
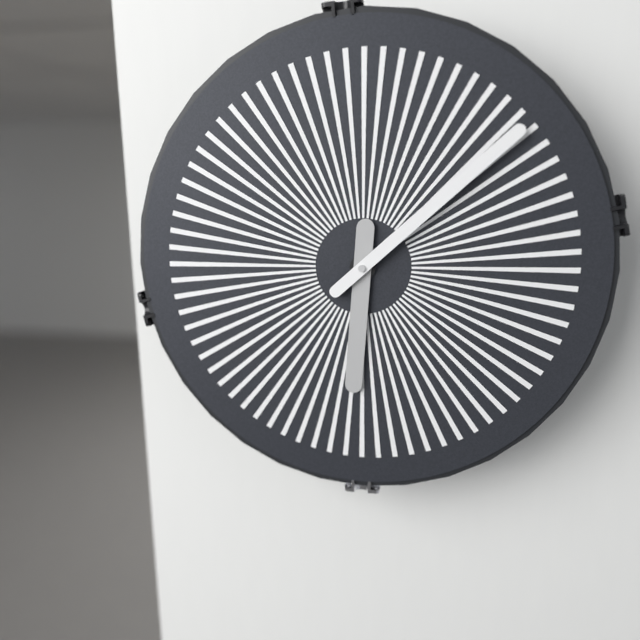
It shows 6,08
